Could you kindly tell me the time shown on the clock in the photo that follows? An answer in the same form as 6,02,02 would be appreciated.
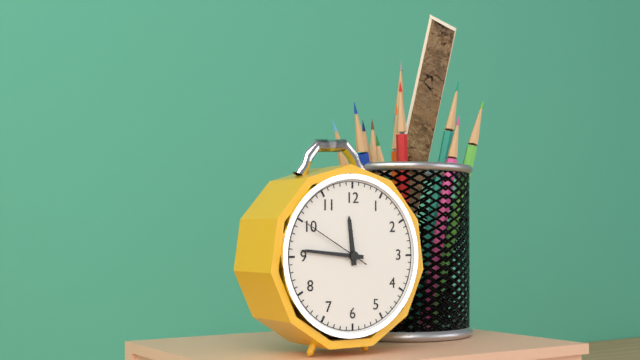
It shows 11,46,50
